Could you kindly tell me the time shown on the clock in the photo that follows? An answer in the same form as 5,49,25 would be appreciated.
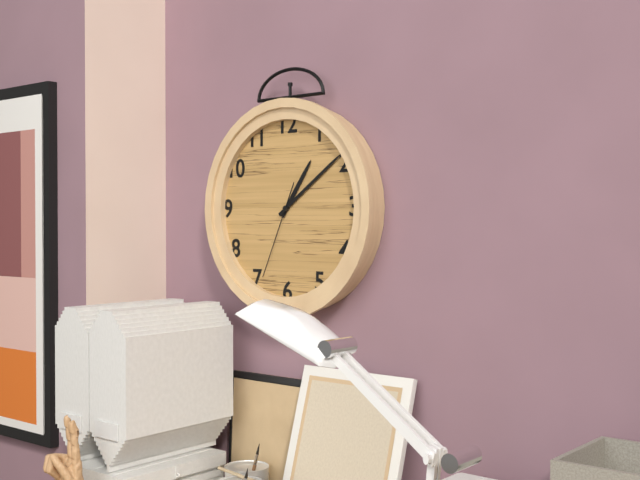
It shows 1,09,34
